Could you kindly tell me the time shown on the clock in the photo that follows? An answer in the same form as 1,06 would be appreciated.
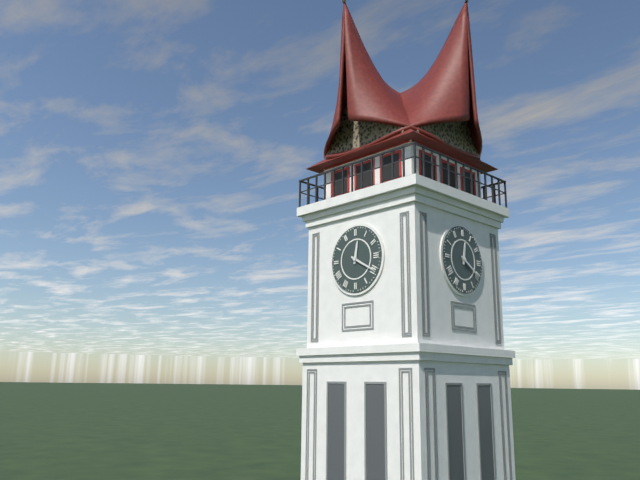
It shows 12,20
